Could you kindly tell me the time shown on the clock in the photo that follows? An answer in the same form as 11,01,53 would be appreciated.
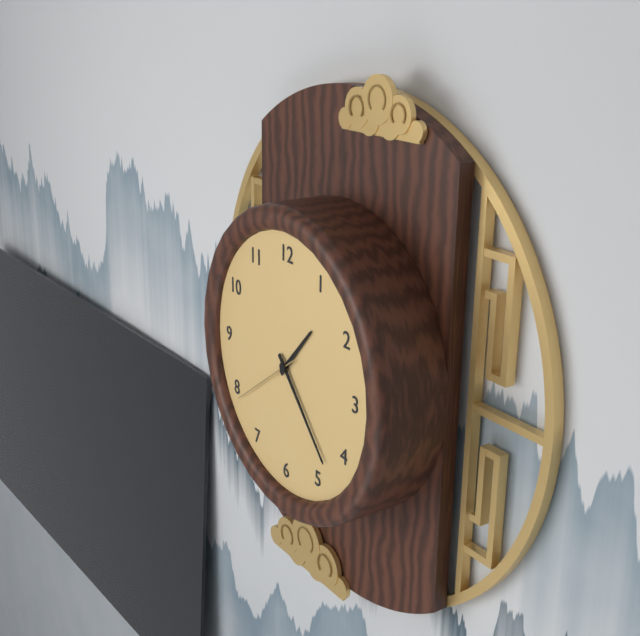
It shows 1,23,39
